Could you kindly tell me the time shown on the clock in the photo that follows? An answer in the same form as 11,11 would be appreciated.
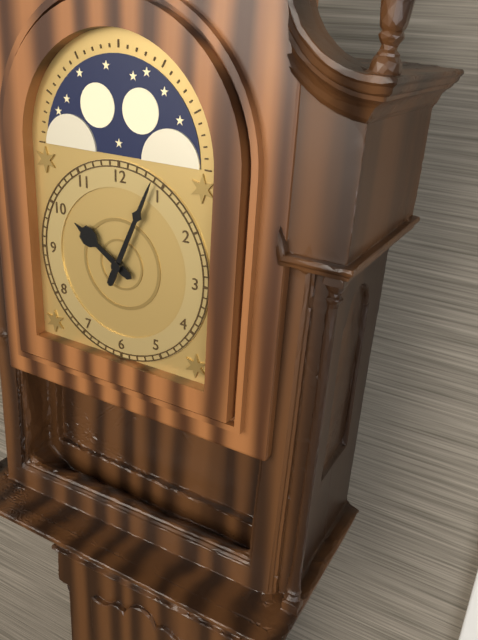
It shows 10,04
